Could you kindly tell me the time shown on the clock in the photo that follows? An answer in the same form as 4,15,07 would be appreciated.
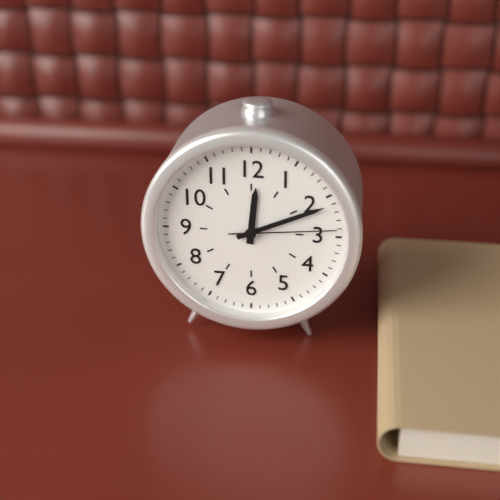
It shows 12,11,14
